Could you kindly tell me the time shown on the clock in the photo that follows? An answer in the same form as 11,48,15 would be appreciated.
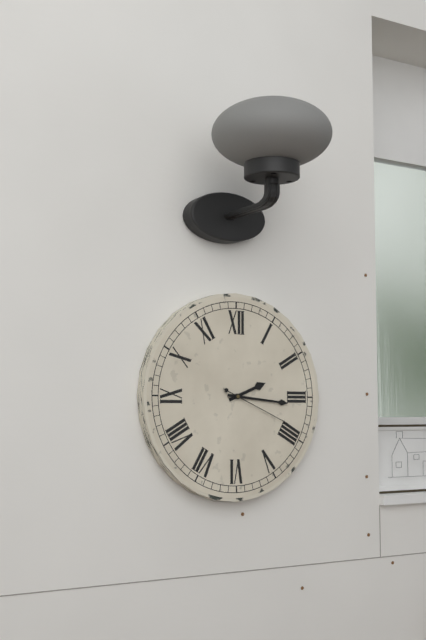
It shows 2,16,19
